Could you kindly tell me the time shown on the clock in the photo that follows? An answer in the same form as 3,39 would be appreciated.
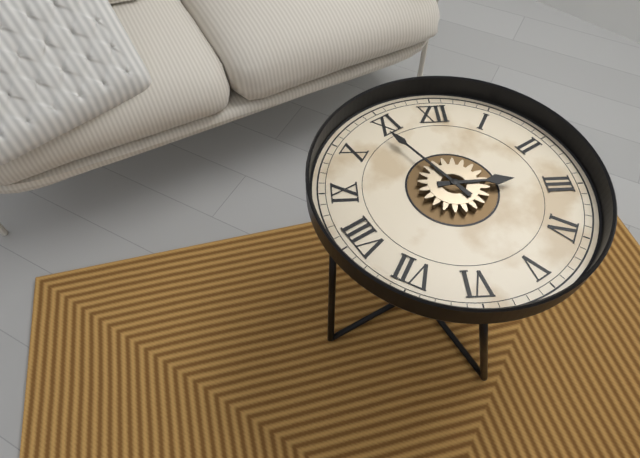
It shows 2,54
